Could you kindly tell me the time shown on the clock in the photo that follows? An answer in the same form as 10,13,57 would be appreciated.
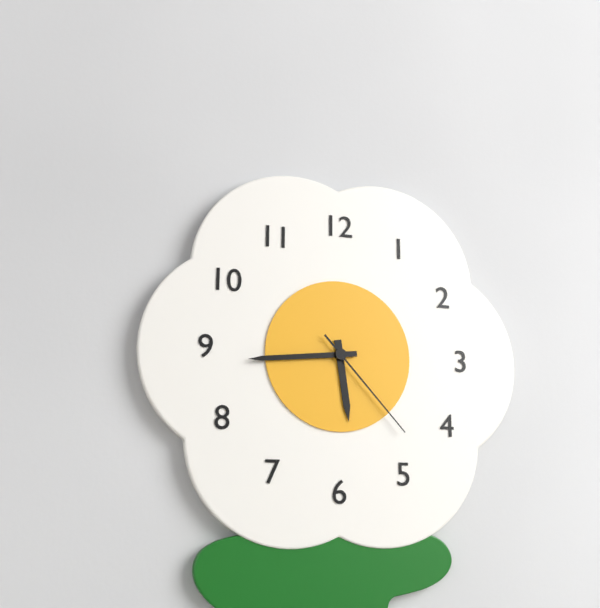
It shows 5,44,23
